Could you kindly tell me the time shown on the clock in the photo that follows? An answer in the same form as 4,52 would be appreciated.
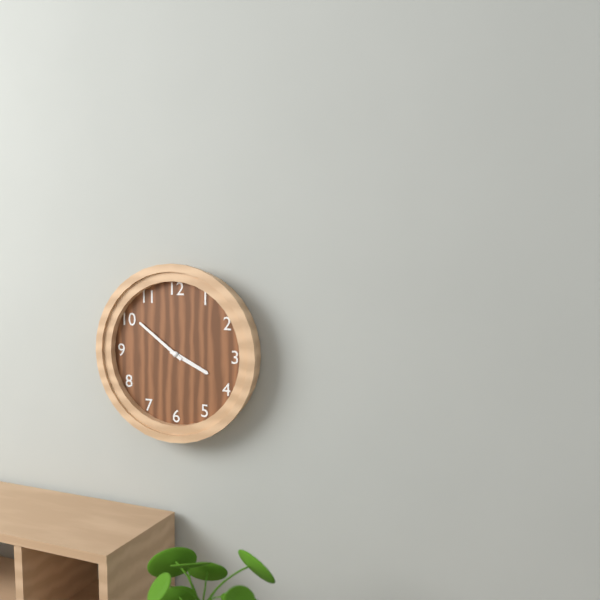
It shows 3,51
